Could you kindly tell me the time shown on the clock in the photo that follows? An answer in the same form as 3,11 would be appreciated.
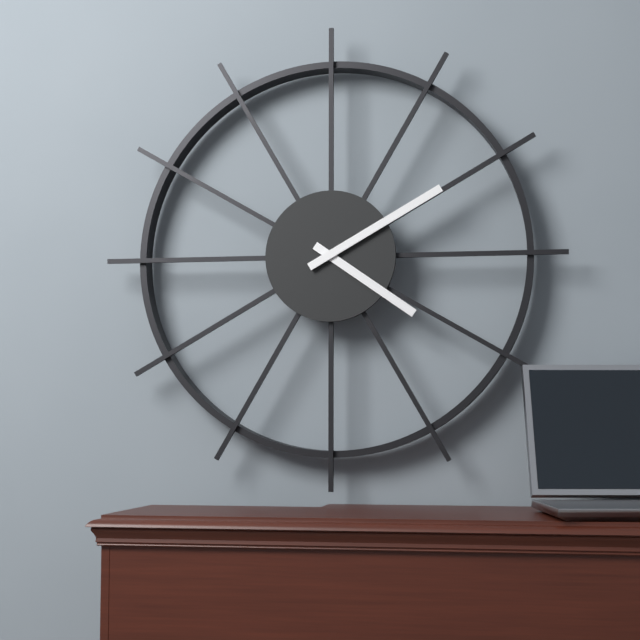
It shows 4,10
